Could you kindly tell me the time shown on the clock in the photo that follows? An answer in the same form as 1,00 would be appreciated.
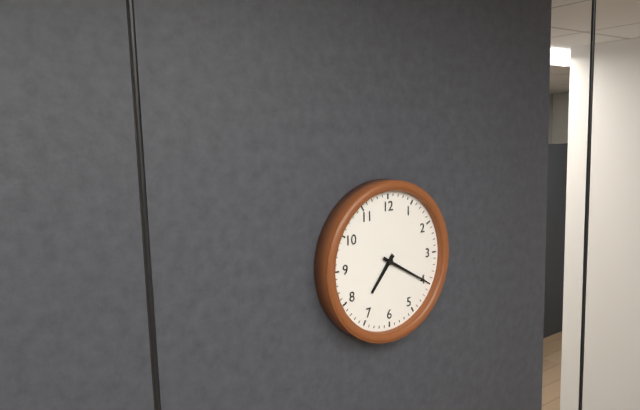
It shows 7,20
